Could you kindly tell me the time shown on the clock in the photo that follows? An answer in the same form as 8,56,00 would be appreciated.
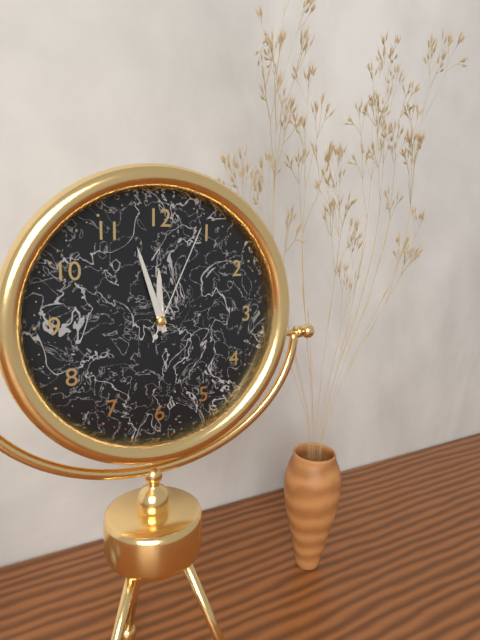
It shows 11,57,04
